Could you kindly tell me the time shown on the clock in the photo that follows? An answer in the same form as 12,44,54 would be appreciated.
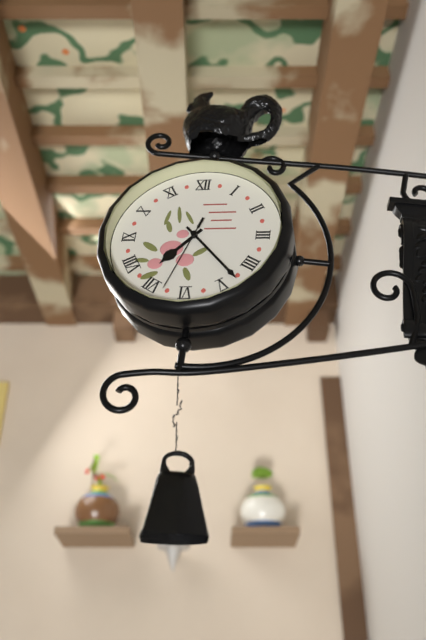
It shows 7,23,33
